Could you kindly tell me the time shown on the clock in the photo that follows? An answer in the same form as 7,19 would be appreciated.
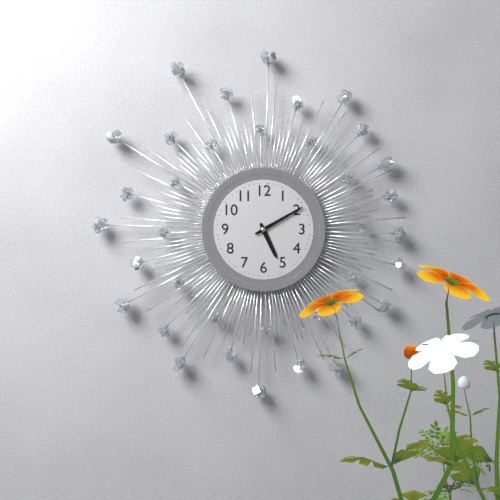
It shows 5,10
